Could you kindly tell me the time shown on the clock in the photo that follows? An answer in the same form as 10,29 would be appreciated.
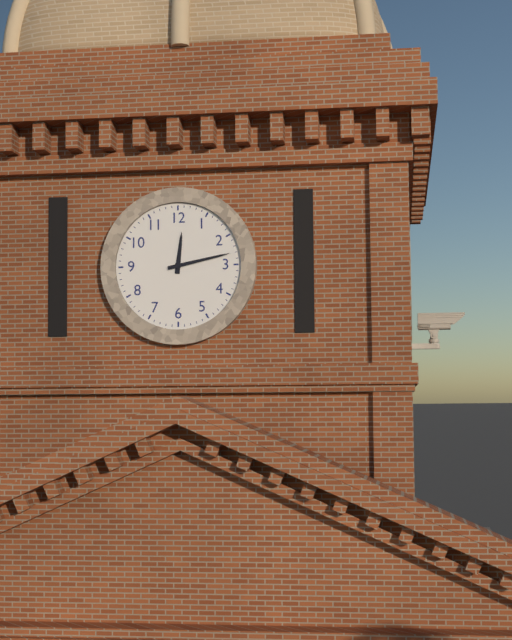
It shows 12,13
